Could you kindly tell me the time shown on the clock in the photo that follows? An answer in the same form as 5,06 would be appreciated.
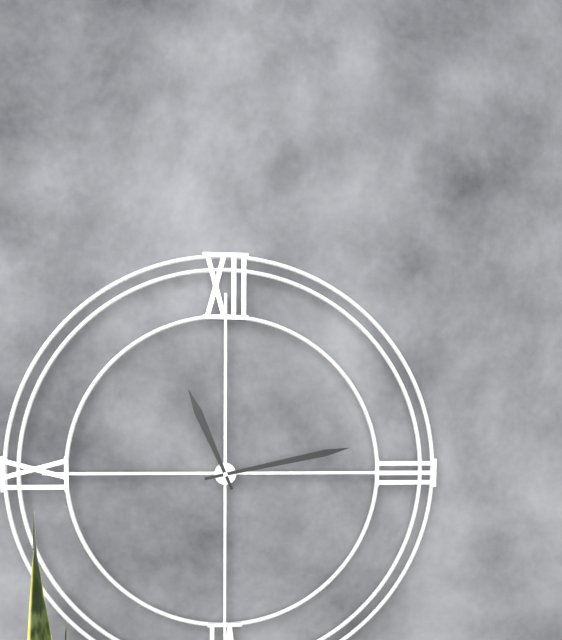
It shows 11,13
